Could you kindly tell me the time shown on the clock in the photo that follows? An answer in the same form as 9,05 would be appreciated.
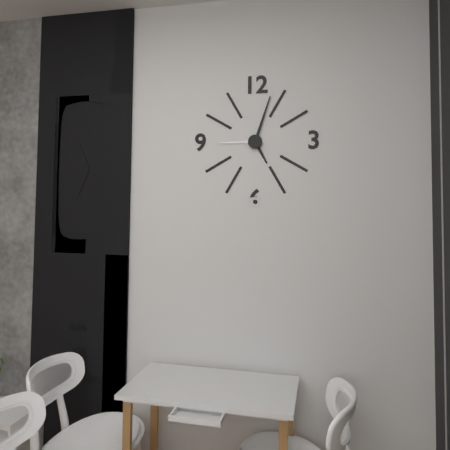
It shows 5,03
